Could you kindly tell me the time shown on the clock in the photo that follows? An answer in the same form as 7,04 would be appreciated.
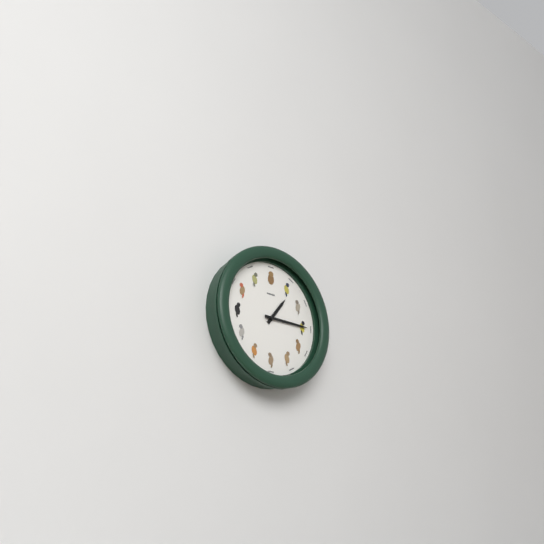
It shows 1,15
